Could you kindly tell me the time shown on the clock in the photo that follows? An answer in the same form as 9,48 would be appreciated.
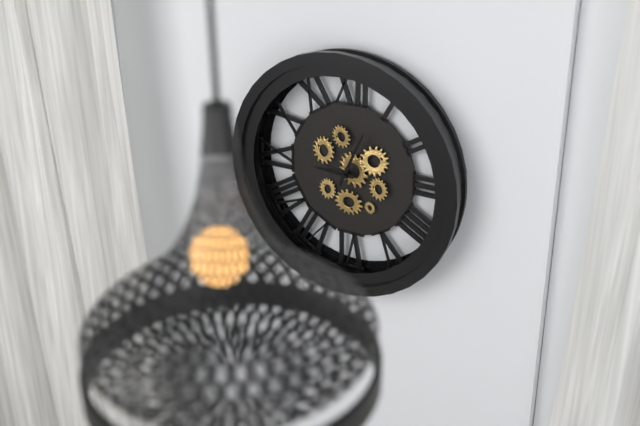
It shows 9,04
